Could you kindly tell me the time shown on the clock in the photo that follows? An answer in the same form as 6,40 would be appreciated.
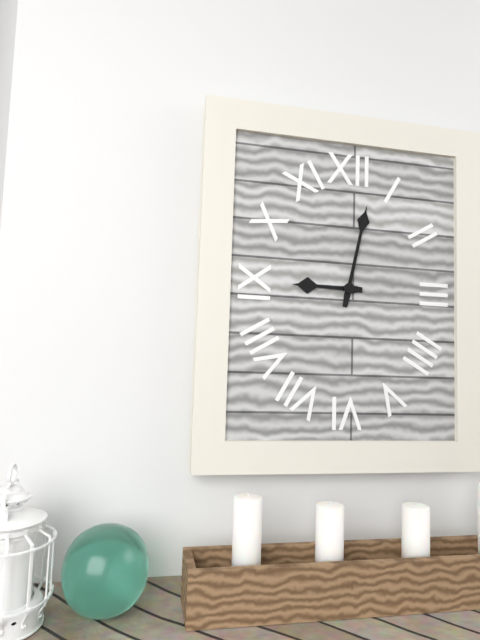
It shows 9,02
